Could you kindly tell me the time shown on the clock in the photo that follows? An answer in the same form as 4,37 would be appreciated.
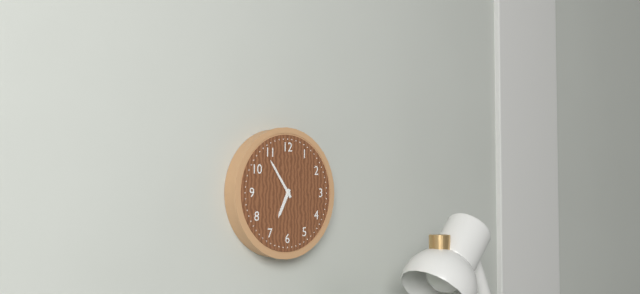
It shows 6,54
